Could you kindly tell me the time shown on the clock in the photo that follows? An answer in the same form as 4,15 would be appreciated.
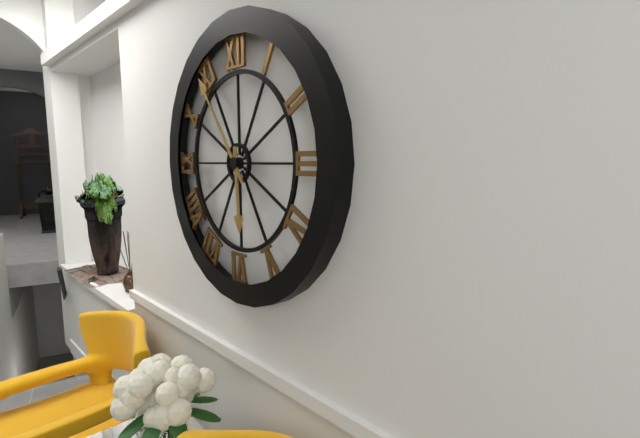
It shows 5,54
